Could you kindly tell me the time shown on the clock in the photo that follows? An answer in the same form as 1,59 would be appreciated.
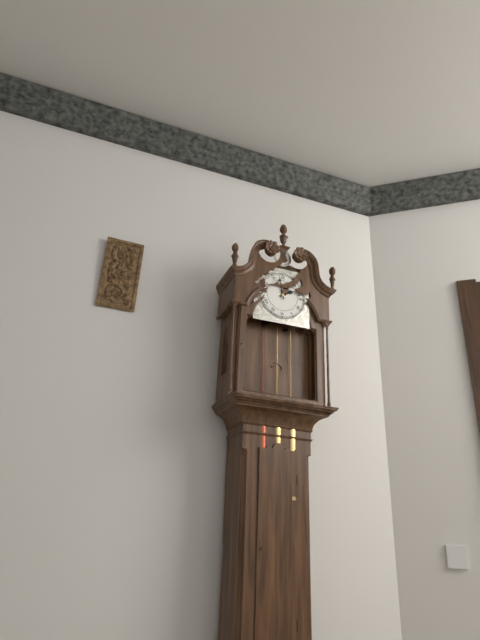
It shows 1,58
